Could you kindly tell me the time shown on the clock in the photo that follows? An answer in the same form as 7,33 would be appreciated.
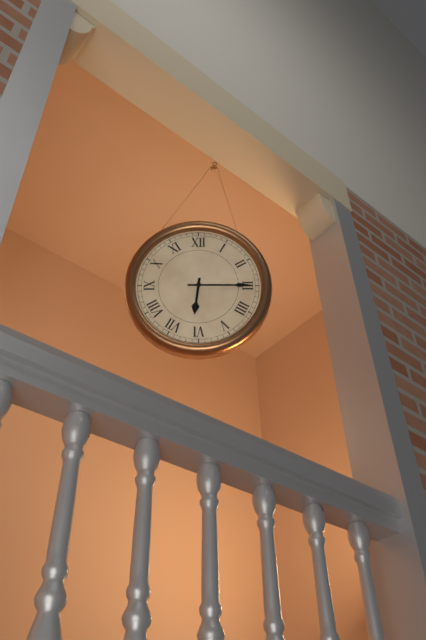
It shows 6,15
